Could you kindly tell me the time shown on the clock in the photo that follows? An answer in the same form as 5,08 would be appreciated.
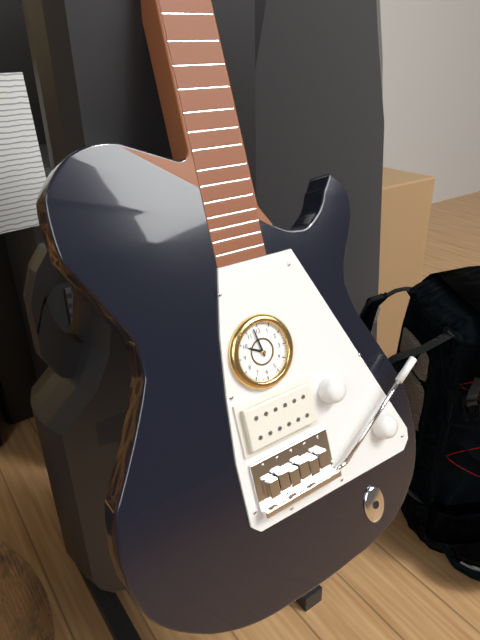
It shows 9,58
